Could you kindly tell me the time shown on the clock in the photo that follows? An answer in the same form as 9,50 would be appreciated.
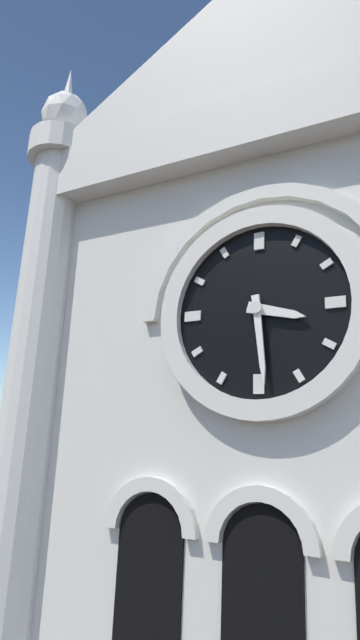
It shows 3,29
